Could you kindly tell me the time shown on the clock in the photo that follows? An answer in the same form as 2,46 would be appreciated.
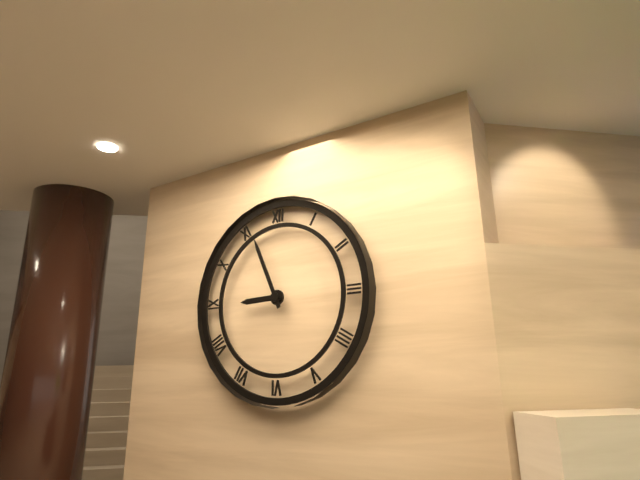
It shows 8,56
